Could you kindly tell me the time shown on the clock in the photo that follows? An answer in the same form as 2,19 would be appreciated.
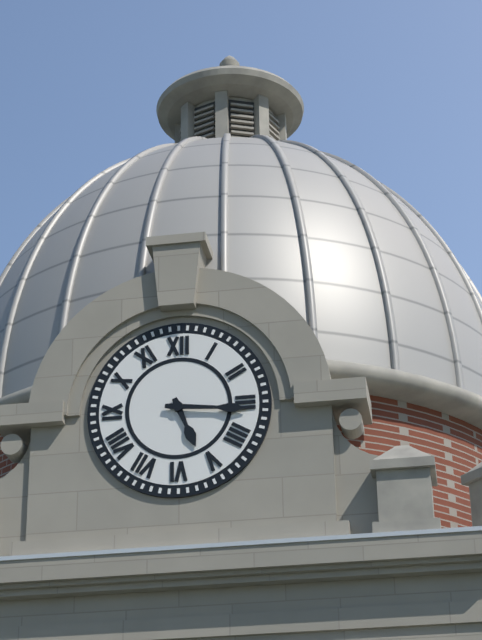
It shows 5,16
